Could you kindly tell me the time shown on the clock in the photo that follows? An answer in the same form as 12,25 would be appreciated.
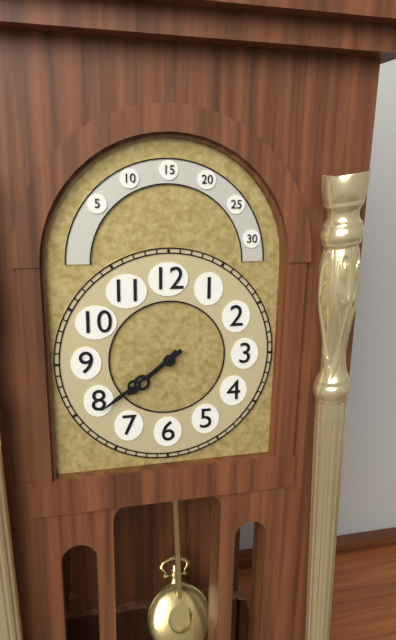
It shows 7,39
